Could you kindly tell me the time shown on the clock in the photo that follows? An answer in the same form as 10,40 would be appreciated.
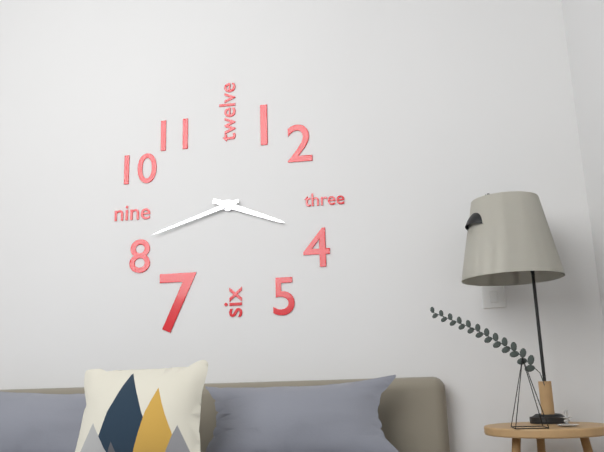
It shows 3,42
